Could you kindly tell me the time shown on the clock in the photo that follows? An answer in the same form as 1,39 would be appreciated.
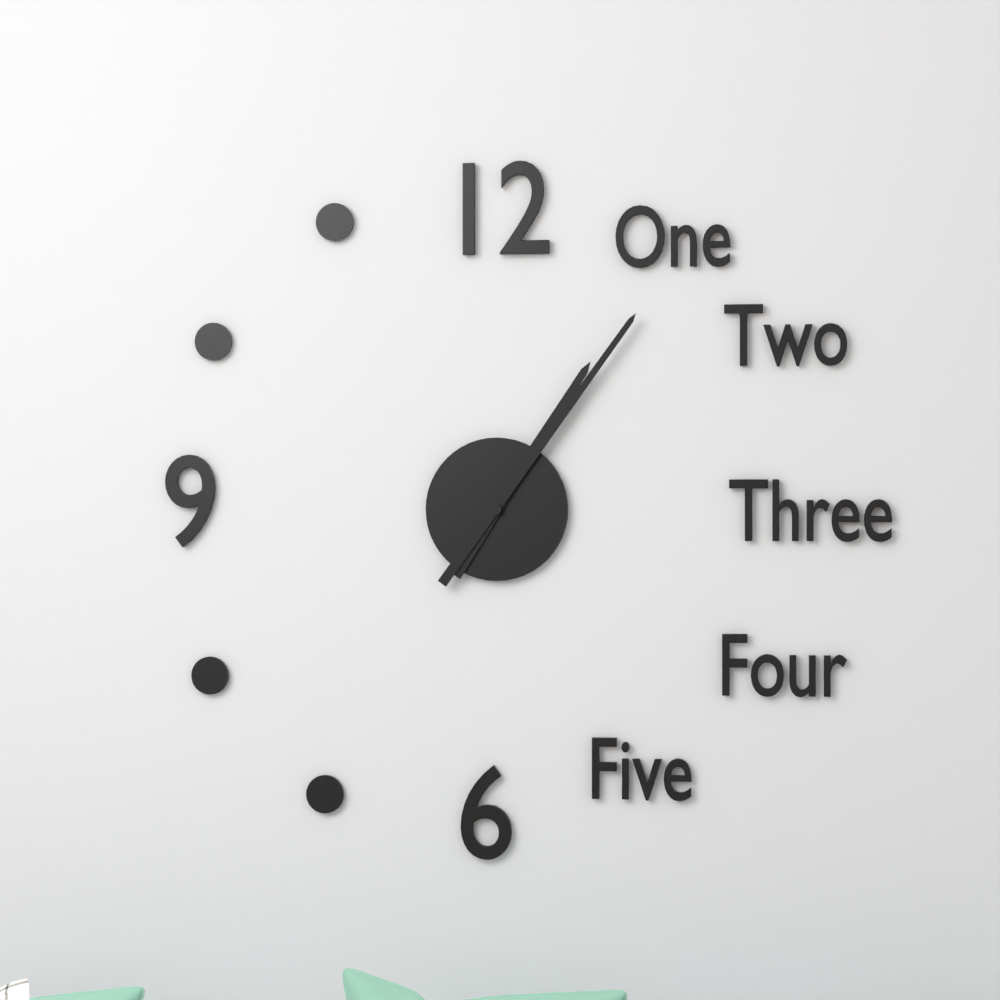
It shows 1,06
